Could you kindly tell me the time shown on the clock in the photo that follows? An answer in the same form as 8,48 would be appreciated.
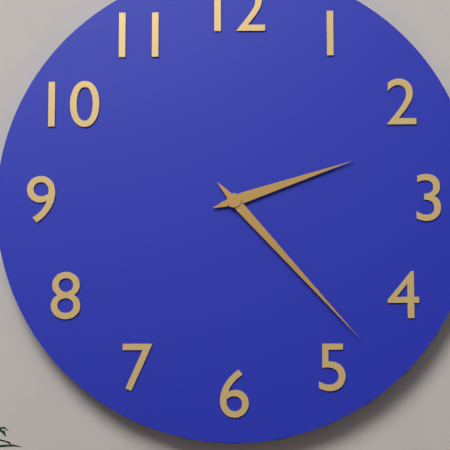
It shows 2,23
